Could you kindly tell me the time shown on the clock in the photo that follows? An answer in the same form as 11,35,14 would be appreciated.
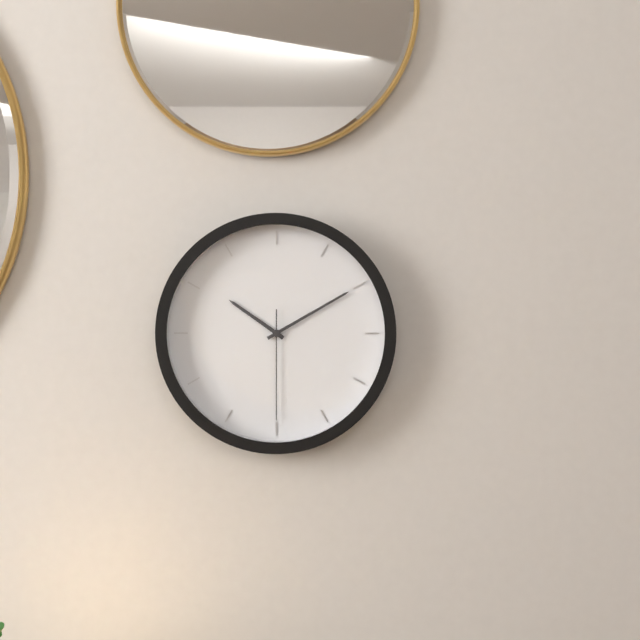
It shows 10,10,30
